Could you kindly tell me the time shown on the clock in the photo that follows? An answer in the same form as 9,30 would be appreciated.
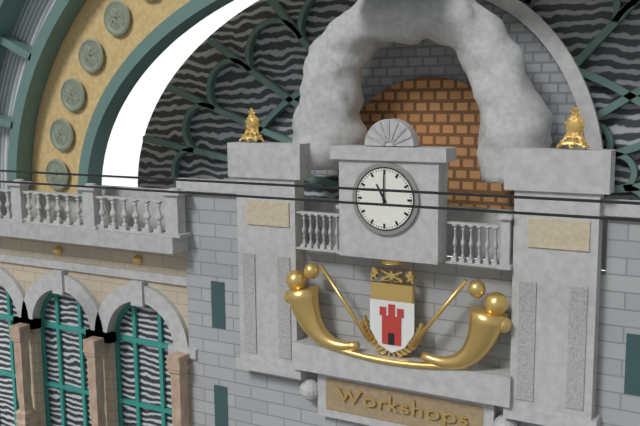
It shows 11,00
